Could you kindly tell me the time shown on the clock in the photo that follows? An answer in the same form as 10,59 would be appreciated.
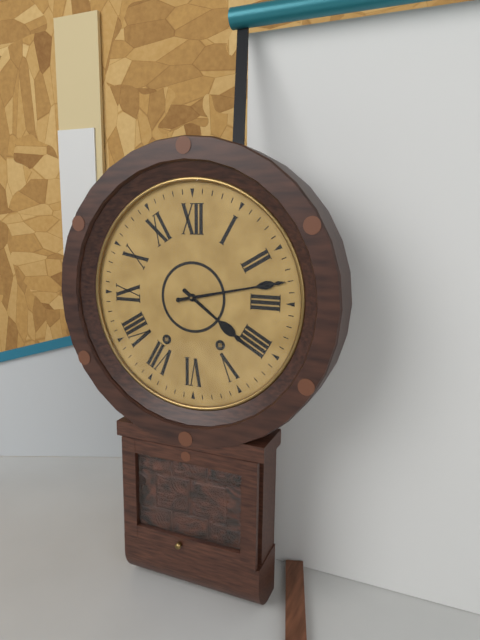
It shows 4,13
